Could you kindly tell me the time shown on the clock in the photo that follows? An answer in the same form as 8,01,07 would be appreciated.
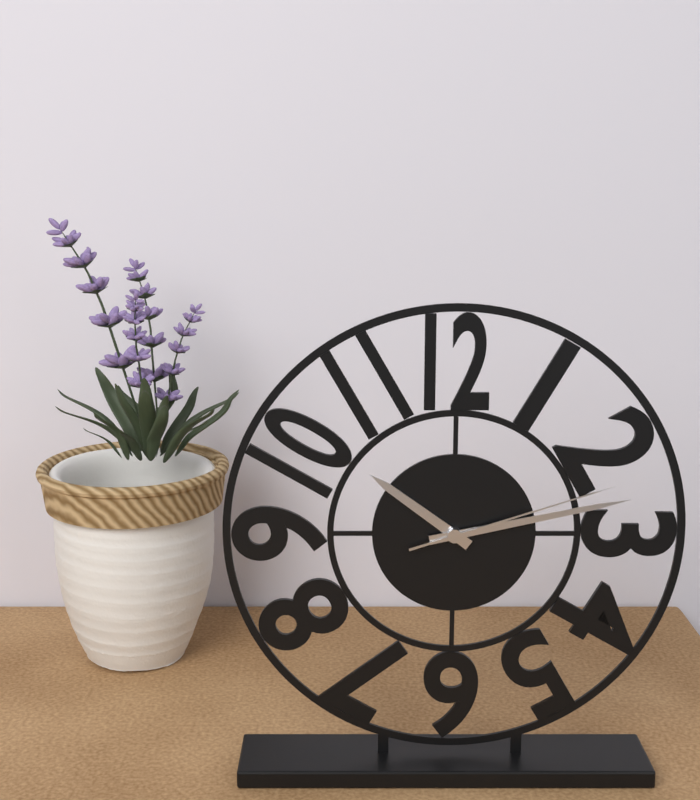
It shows 10,13,12
